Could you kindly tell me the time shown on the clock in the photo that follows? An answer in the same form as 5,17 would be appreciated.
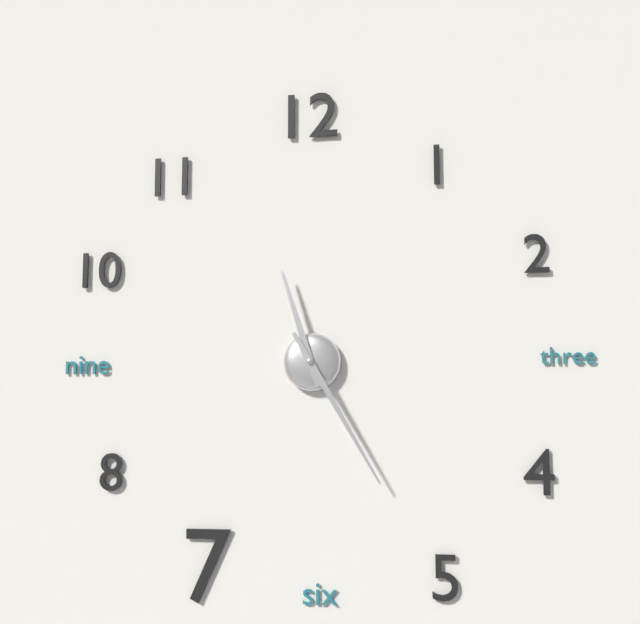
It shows 11,25
